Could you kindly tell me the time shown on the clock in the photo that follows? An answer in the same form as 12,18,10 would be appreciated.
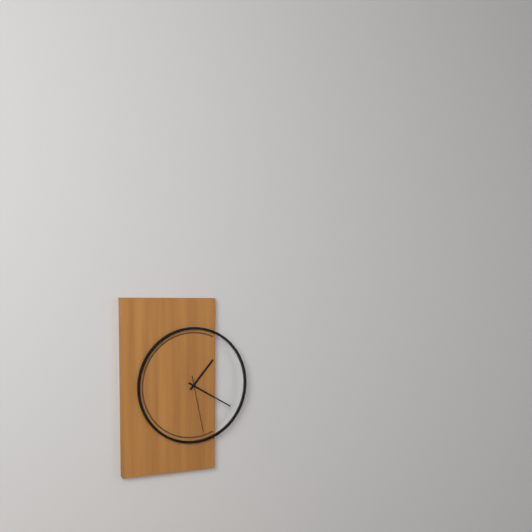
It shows 1,20,28
